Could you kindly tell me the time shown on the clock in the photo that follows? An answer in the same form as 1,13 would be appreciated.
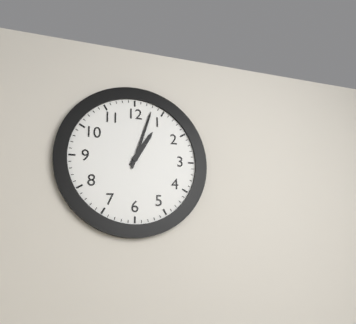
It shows 1,03
